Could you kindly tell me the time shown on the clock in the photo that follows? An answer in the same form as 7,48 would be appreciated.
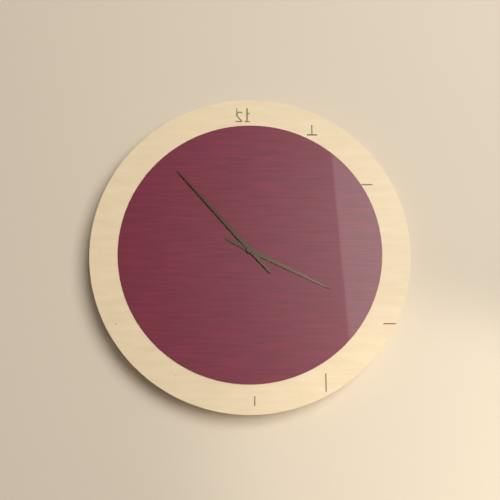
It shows 3,53
